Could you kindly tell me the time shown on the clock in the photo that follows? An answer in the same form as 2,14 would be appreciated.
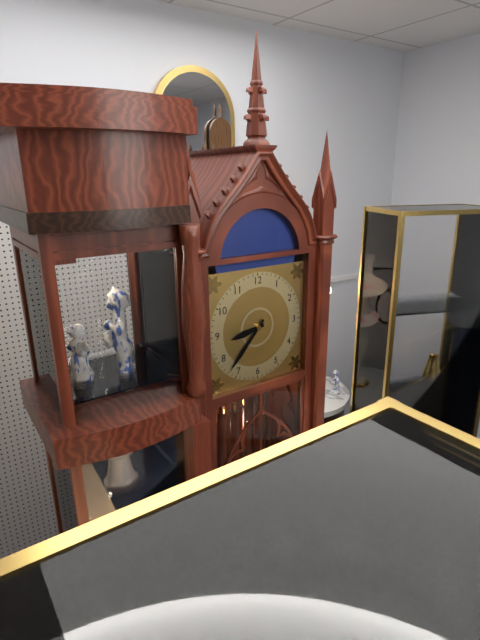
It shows 8,37
